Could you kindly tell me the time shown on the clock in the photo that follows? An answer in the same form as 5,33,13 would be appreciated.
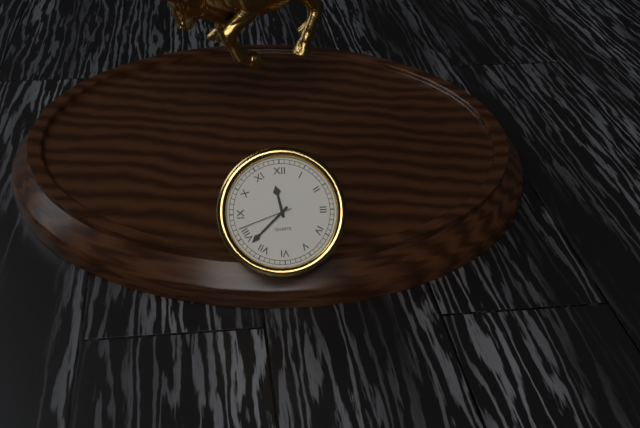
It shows 11,38,42
